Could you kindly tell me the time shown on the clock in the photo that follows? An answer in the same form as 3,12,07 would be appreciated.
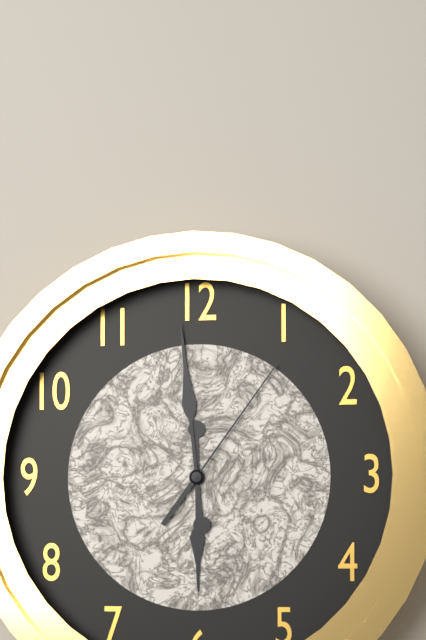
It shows 5,59,06
